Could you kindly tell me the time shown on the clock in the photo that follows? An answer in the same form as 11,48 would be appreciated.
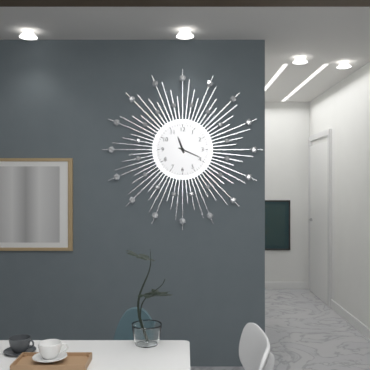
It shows 11,19
